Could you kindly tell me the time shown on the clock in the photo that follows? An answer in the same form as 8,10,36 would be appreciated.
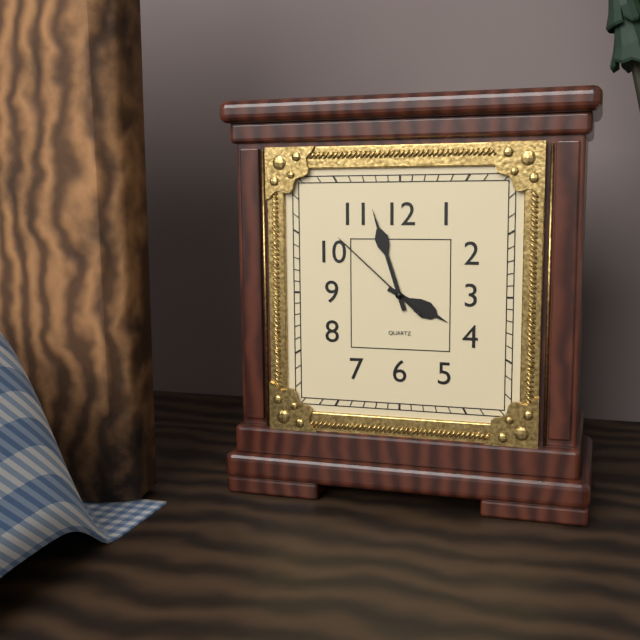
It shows 3,57,52
